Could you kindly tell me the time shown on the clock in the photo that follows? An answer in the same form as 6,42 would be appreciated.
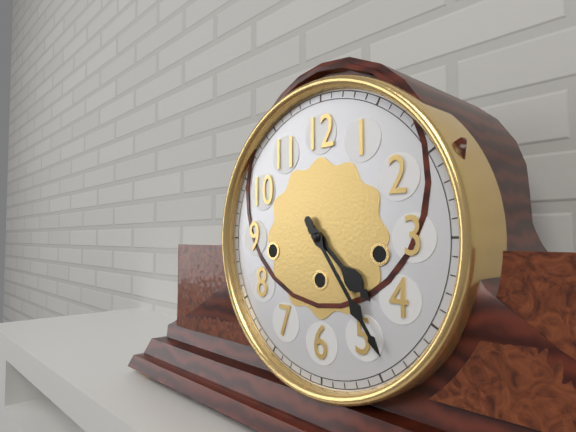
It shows 4,24
